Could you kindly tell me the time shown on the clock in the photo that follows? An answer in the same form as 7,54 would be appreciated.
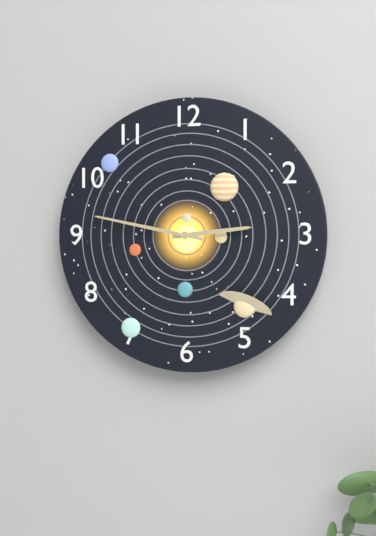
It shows 2,47
